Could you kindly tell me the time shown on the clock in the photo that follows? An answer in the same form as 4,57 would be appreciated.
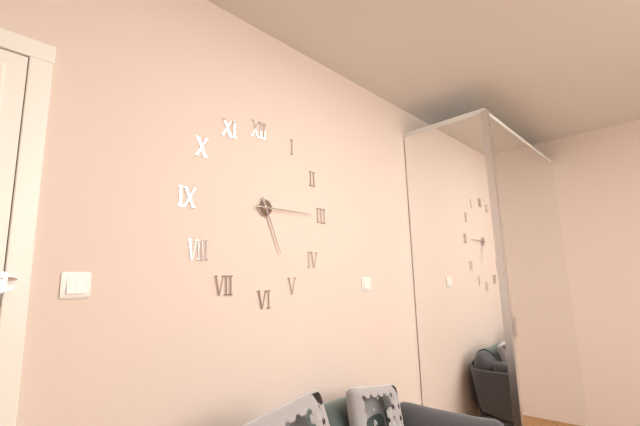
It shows 5,15
